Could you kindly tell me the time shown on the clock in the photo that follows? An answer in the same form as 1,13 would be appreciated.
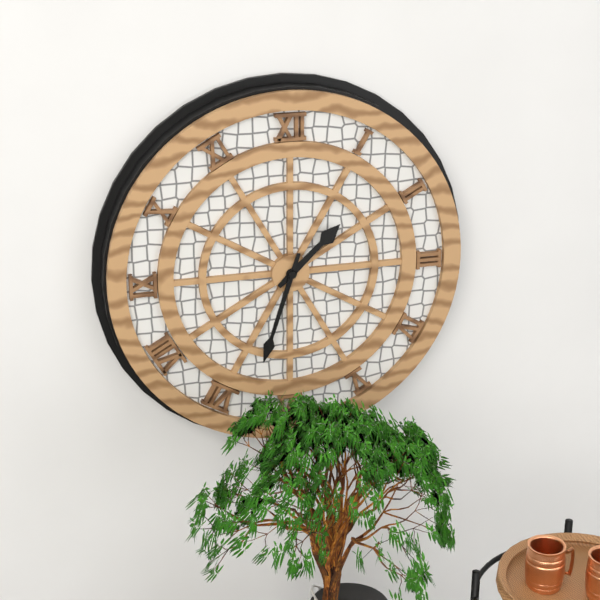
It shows 1,33
